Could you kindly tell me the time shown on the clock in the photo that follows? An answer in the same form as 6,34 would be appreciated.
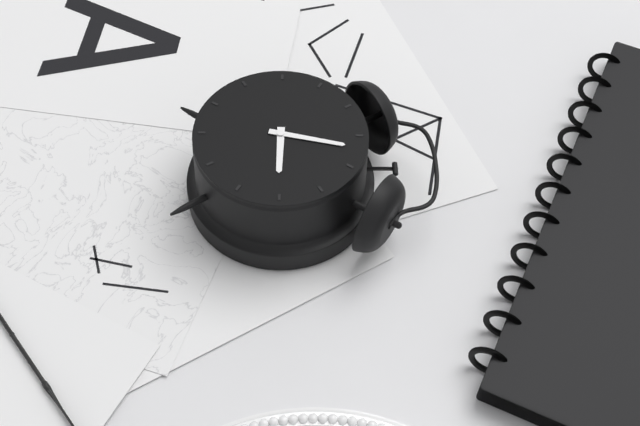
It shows 3,02
